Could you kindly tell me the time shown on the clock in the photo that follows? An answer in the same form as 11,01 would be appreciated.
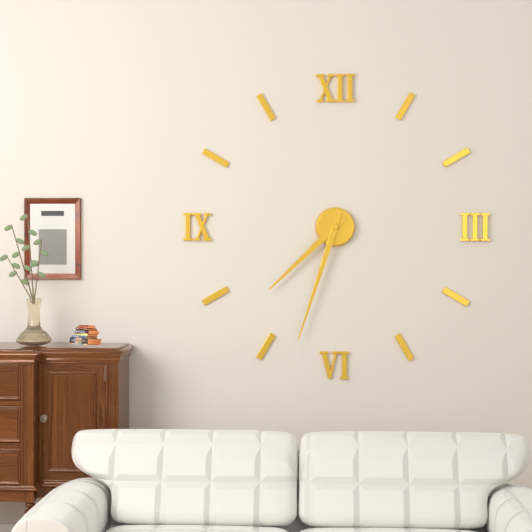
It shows 7,33
